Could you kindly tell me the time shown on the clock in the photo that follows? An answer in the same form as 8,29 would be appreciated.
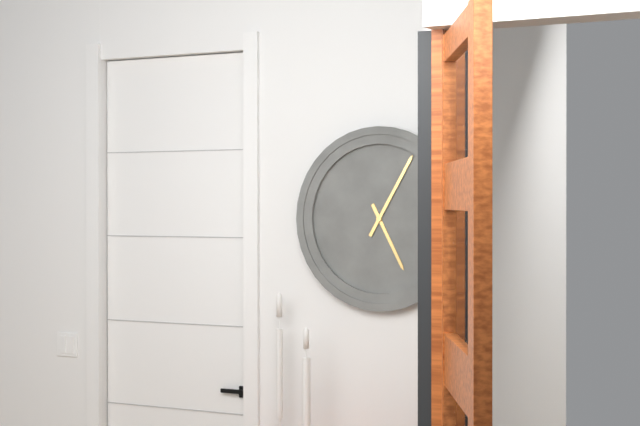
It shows 5,05
